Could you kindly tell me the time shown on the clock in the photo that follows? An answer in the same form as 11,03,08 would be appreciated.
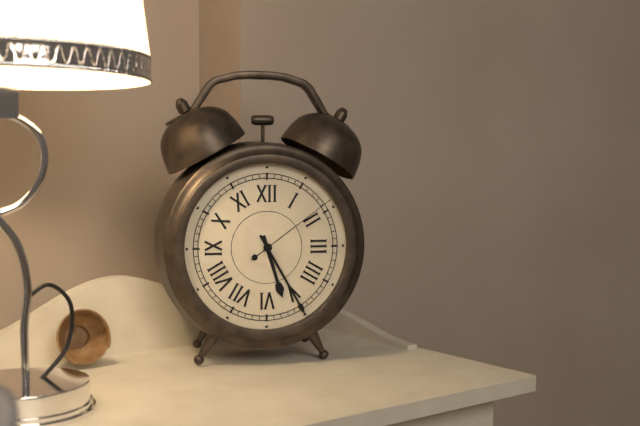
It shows 5,25,09
